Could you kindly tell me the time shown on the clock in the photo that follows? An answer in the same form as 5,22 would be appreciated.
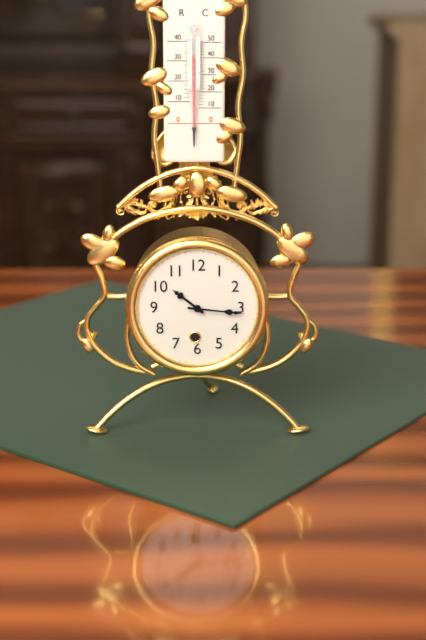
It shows 10,16
